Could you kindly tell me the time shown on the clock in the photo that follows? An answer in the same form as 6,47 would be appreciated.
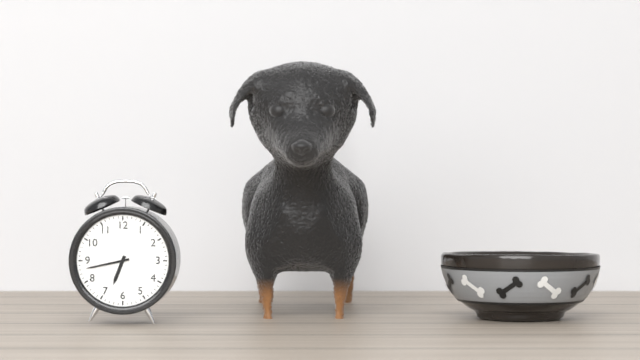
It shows 6,43
